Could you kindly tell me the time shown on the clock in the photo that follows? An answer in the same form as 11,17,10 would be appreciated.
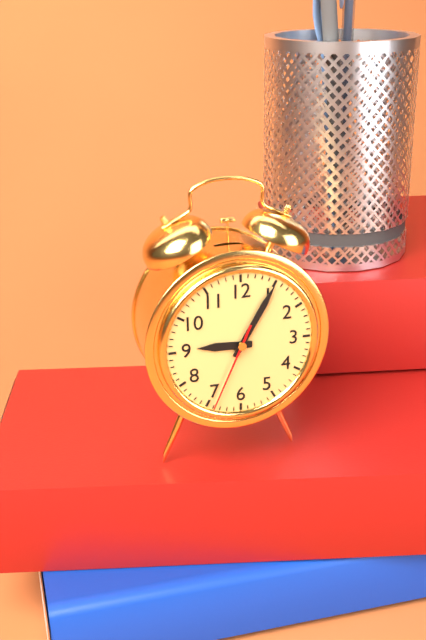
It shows 9,05,34
